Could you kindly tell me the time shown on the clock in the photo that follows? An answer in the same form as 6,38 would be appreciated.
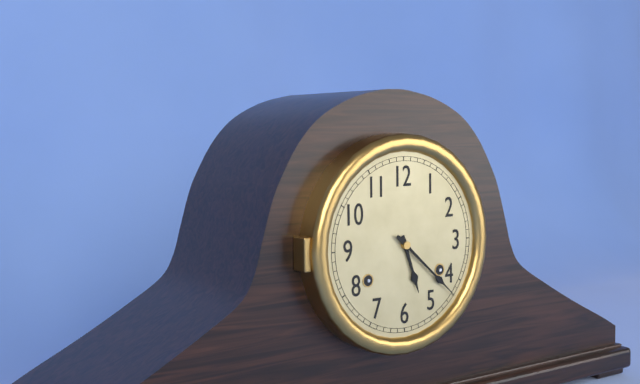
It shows 5,22
